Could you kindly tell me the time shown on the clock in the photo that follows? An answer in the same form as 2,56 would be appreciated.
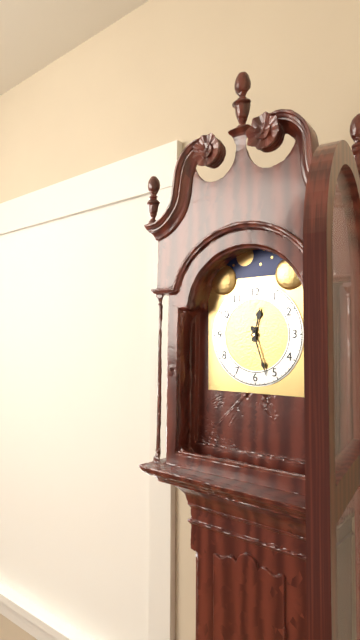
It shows 12,27
